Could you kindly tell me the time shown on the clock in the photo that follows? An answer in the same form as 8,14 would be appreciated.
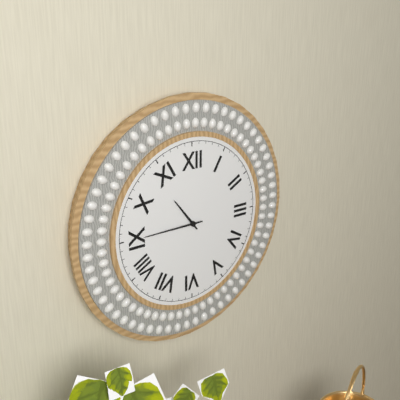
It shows 10,45
